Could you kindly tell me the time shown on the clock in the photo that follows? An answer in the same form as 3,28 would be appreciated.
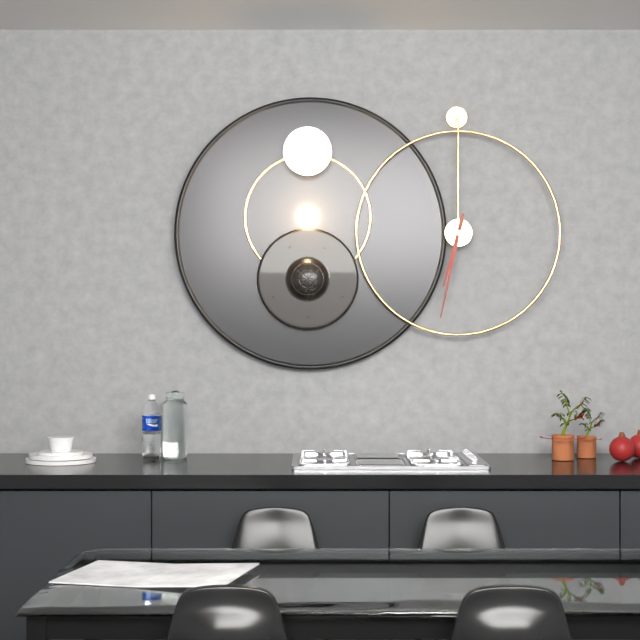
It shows 6,32
